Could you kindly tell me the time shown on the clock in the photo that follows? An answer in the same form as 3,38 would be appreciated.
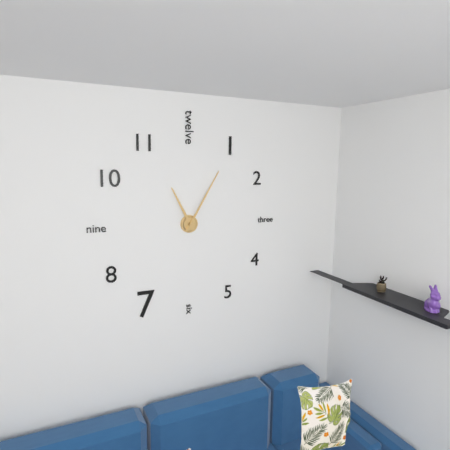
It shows 11,05
